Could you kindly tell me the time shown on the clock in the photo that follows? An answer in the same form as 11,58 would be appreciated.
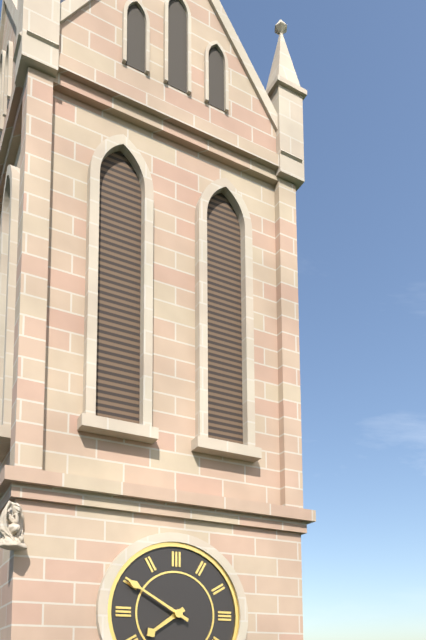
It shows 7,50
